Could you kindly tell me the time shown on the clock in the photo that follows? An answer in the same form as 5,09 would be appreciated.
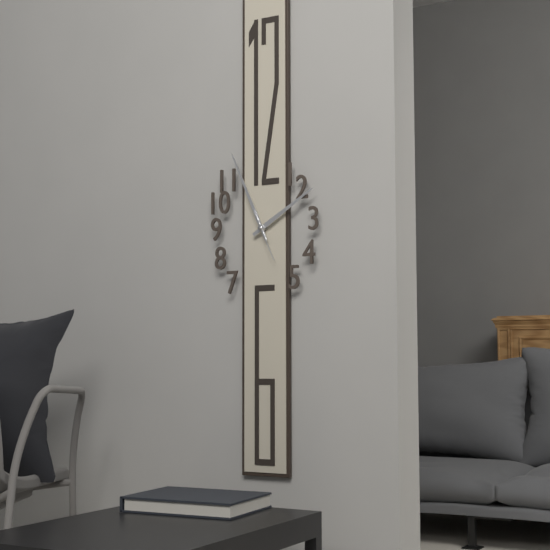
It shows 1,56
